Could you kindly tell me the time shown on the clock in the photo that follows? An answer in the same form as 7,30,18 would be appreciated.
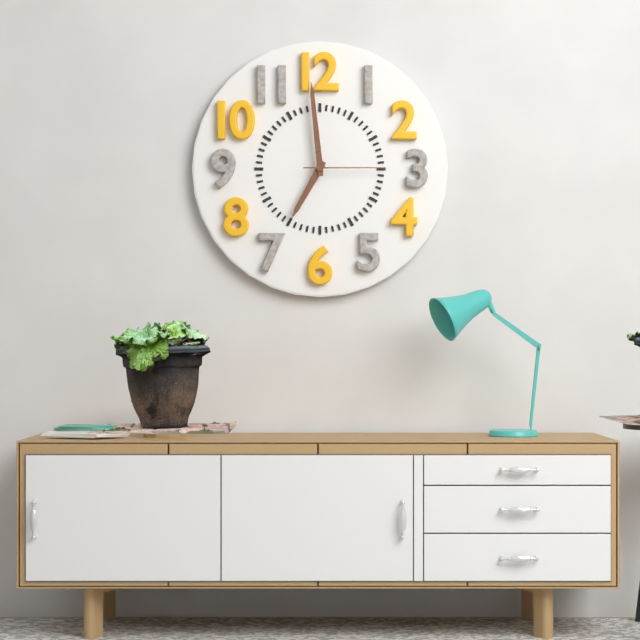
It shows 6,59,15
